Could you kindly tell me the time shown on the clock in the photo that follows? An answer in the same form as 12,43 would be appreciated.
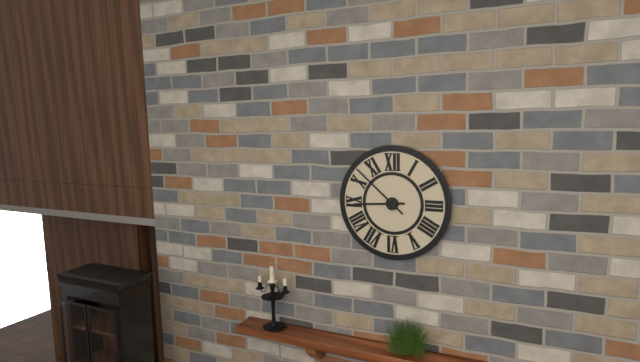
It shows 8,52
